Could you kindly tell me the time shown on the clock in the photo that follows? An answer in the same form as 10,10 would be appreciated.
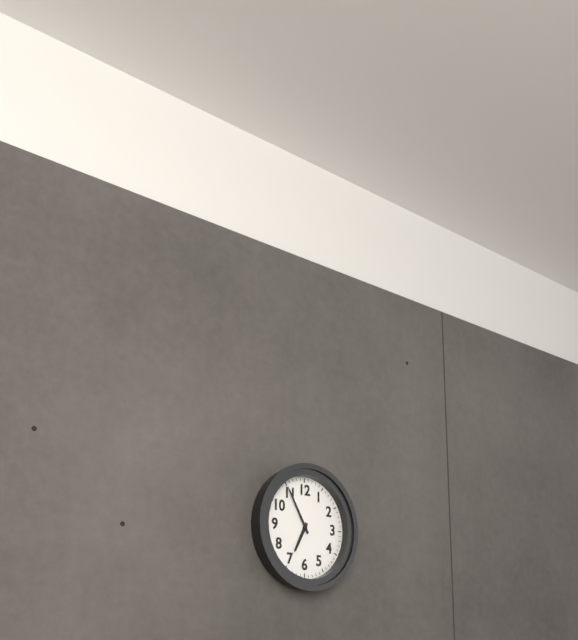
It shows 6,55
